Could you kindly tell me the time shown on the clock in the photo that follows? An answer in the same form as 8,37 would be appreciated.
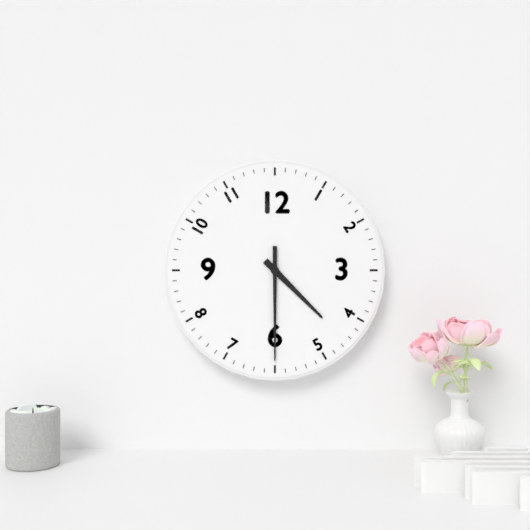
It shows 4,30
